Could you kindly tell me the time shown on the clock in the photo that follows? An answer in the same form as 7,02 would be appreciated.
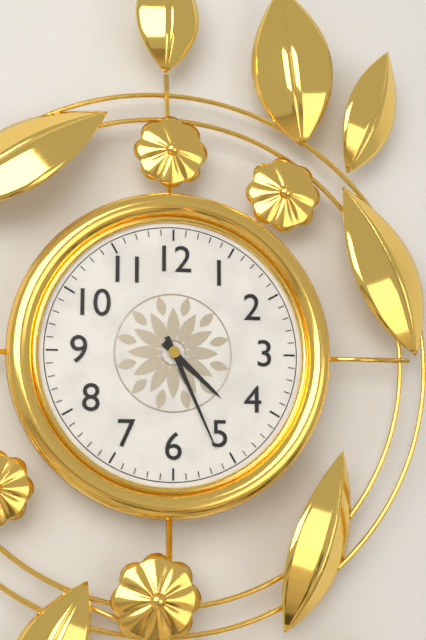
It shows 4,26
